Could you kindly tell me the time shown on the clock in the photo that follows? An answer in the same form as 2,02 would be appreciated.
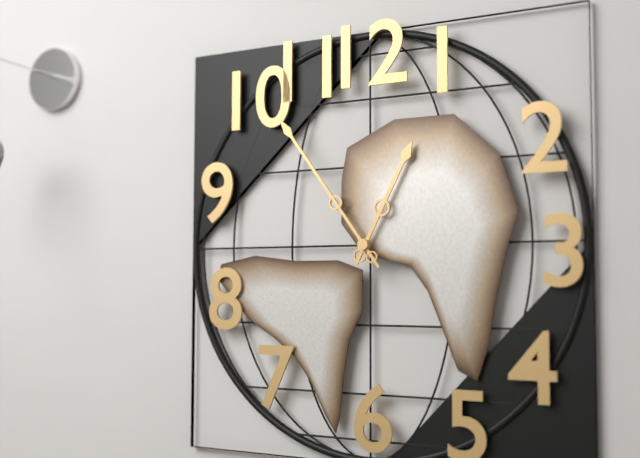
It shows 12,54
